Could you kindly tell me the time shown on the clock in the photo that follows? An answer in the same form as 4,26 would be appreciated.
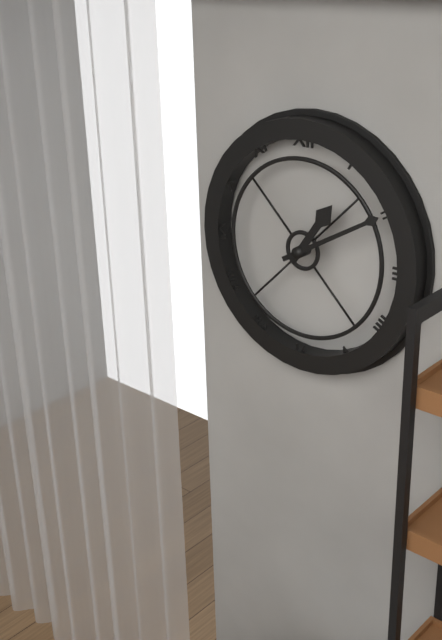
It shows 1,10
